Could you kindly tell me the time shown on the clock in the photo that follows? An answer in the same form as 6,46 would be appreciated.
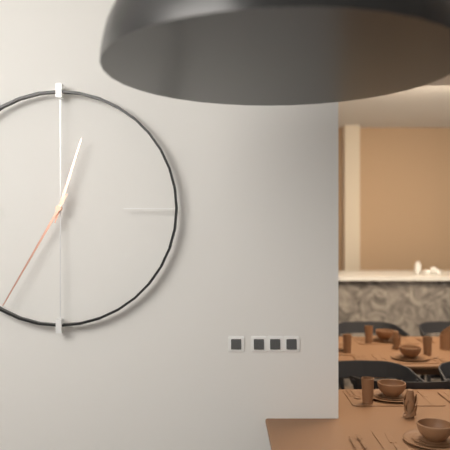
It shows 12,35
